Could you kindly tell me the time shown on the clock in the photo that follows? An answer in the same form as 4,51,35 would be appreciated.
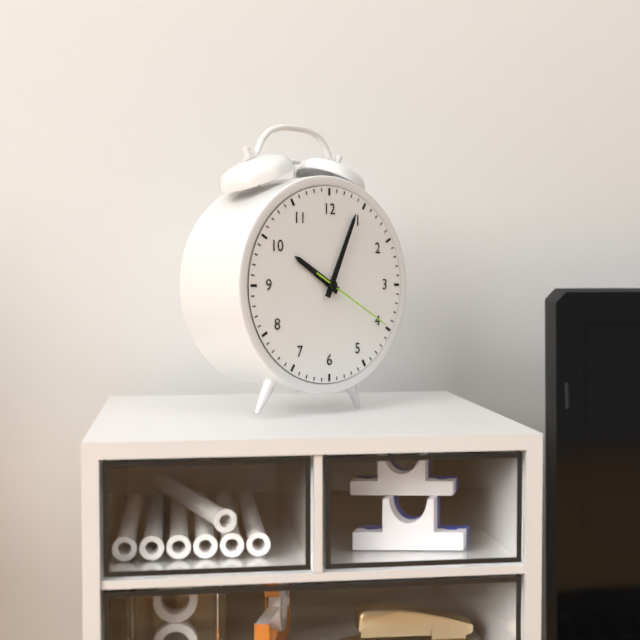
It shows 10,04,20
